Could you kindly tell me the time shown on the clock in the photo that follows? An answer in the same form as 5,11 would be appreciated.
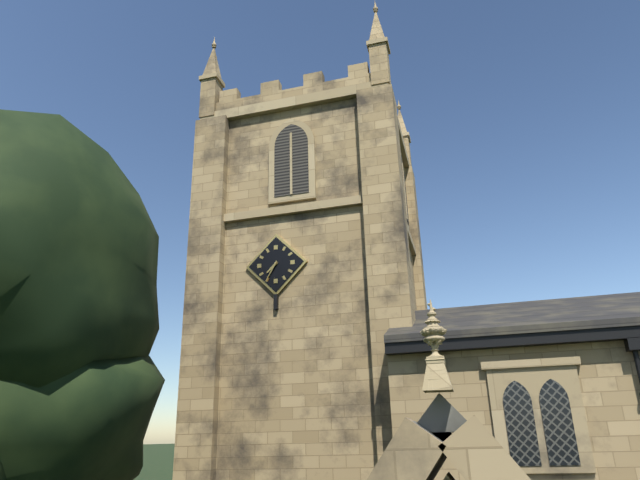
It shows 7,35
